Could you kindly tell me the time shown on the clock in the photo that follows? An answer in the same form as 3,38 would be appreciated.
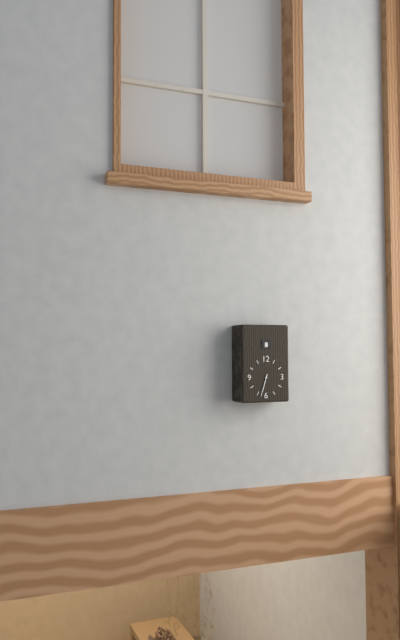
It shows 6,33
